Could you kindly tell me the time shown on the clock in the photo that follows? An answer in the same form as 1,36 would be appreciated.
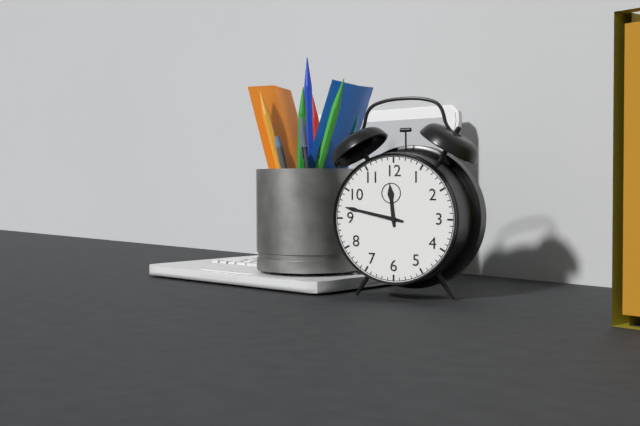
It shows 11,47
